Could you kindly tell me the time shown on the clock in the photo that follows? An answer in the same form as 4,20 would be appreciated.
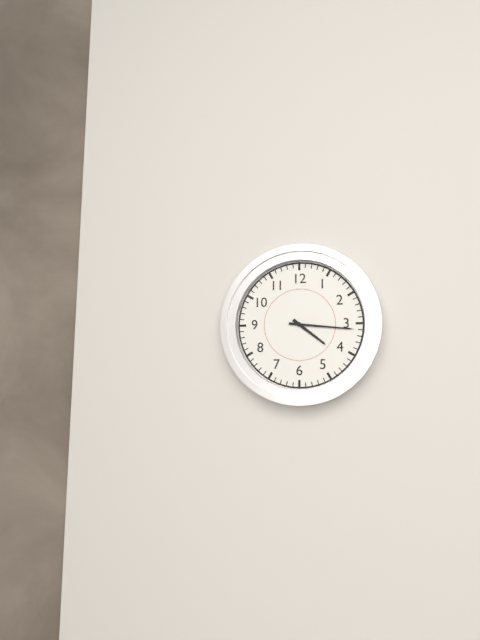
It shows 4,16
